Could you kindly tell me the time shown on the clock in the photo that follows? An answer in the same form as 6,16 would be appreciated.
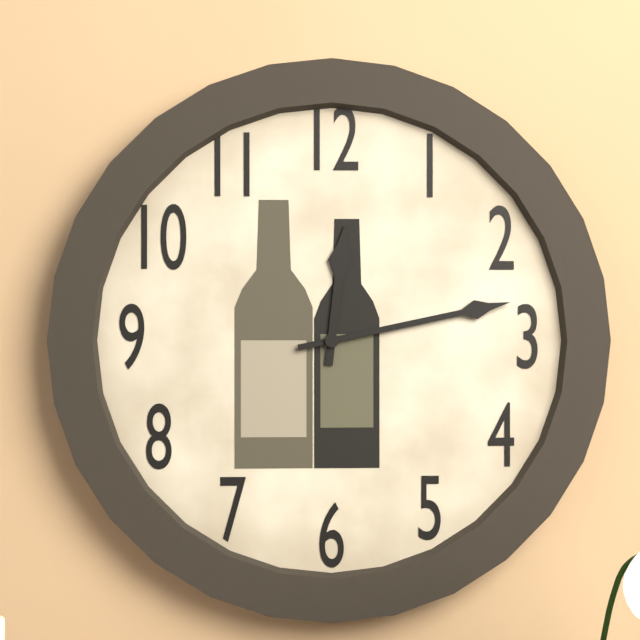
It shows 12,13
